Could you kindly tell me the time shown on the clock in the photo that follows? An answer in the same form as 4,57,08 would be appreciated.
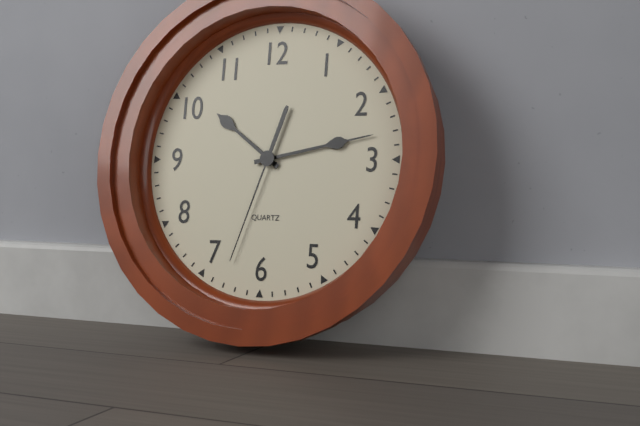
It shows 10,13,33
